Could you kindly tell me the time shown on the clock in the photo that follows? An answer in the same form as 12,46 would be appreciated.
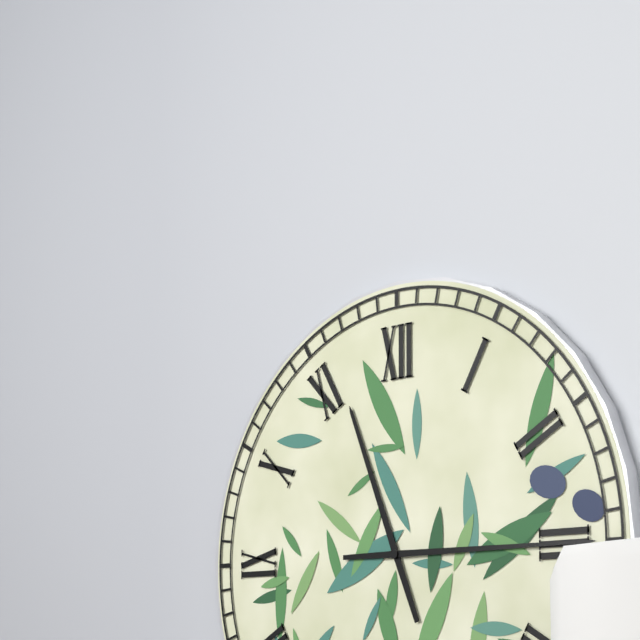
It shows 11,15
